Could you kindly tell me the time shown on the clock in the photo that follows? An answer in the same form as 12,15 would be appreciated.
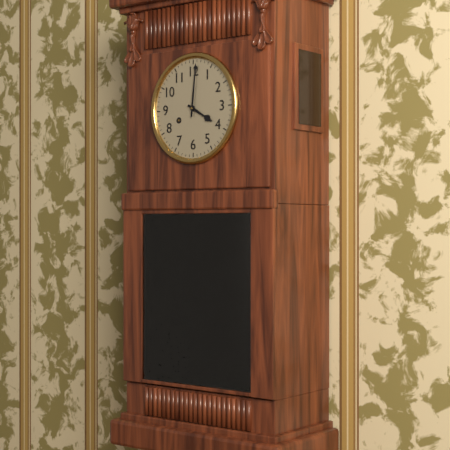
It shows 4,01
